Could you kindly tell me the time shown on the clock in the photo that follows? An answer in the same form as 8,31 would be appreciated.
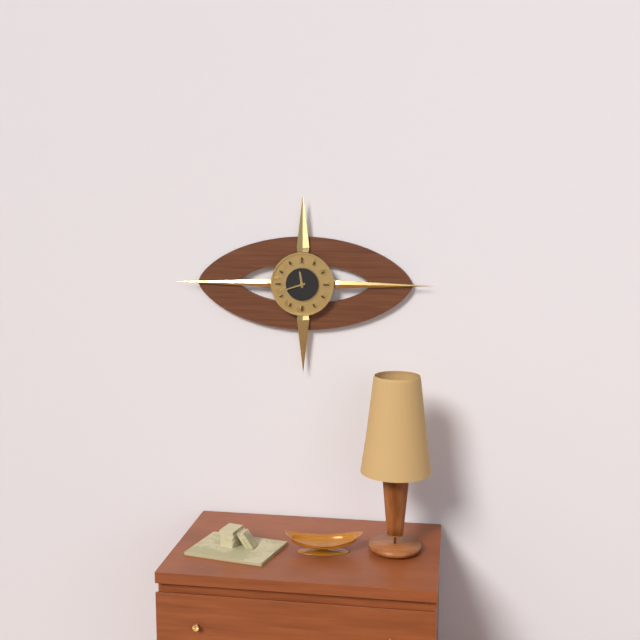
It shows 11,42
